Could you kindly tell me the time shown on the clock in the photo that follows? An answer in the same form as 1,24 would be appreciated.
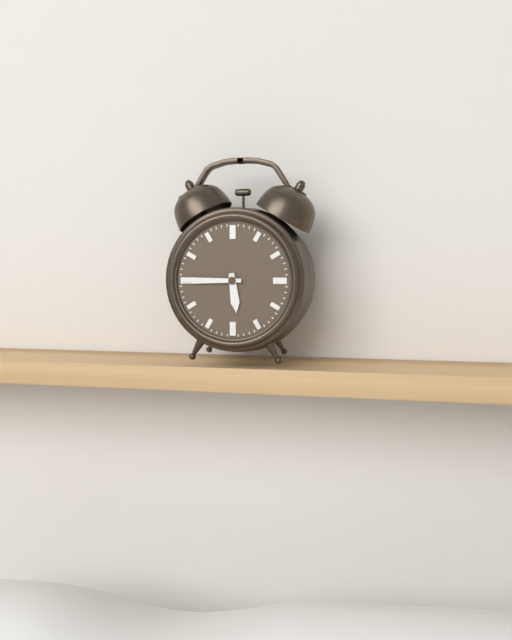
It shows 5,45
